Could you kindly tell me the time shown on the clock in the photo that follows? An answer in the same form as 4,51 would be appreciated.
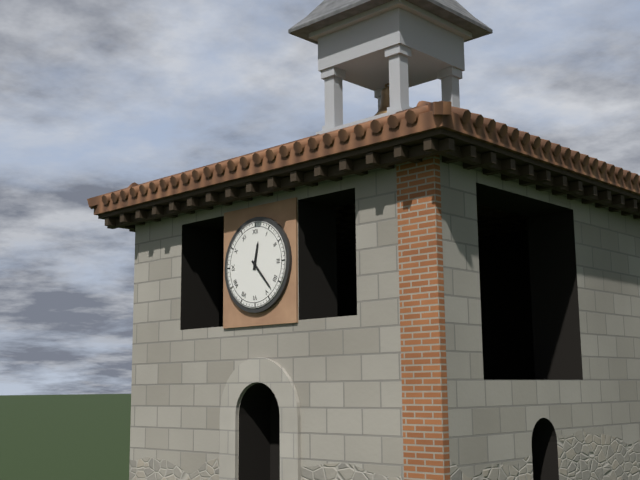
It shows 12,23
